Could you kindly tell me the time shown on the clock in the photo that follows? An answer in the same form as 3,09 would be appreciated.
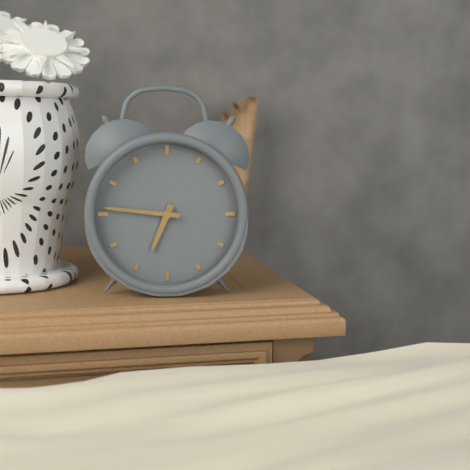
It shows 6,46
